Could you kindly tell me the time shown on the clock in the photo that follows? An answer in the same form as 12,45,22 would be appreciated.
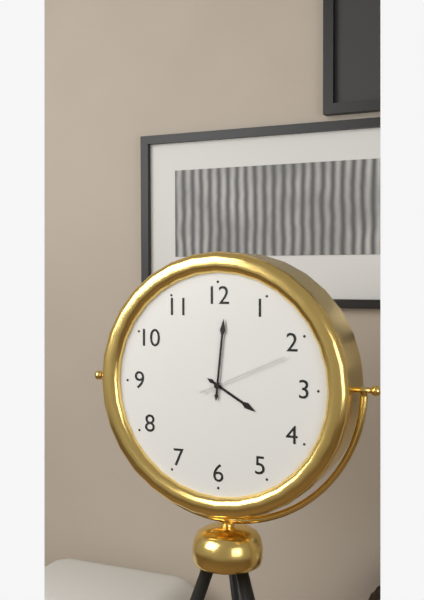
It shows 4,01,11
